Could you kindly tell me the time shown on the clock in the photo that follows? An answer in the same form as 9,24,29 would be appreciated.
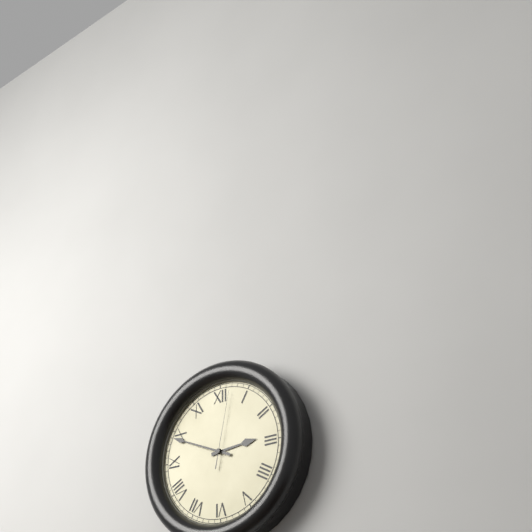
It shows 2,49,02
